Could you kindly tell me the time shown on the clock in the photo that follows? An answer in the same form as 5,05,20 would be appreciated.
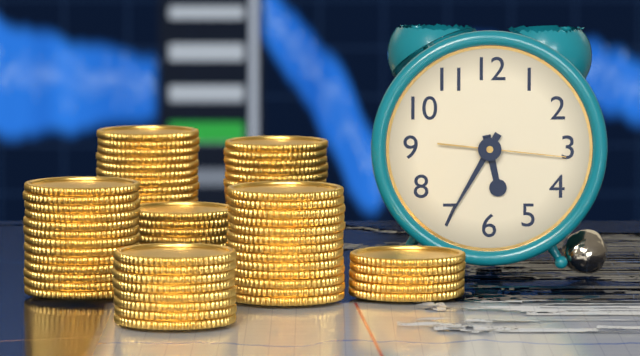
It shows 5,35,16
